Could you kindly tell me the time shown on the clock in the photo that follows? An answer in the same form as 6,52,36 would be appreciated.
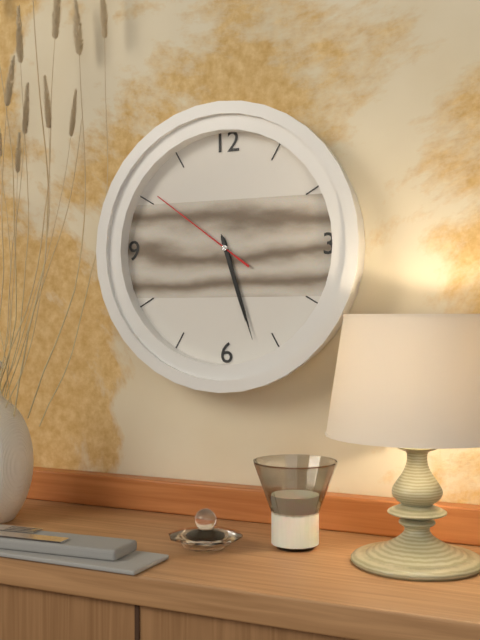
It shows 5,27,51
